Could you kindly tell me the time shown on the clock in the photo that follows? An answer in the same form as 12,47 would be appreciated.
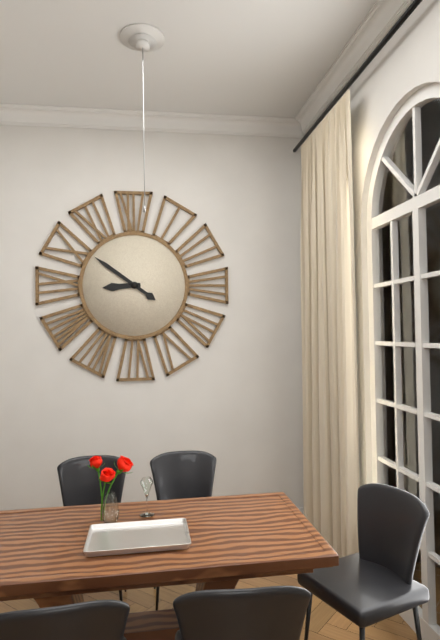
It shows 8,51
